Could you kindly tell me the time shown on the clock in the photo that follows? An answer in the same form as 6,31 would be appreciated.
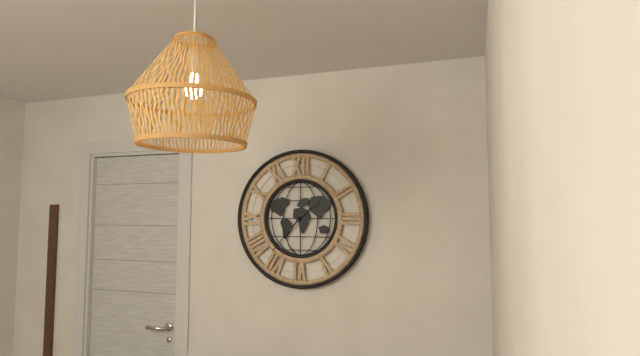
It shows 1,37
